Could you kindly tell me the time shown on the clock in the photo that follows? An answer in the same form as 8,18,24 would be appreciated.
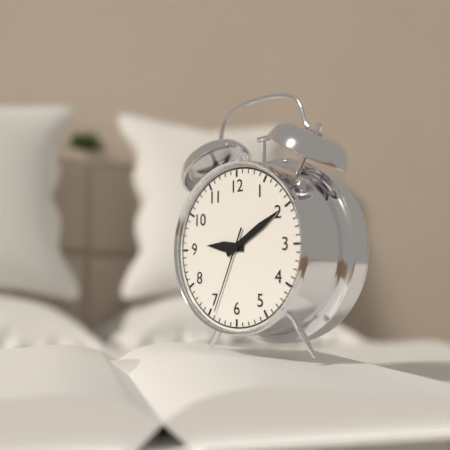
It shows 9,10,34
